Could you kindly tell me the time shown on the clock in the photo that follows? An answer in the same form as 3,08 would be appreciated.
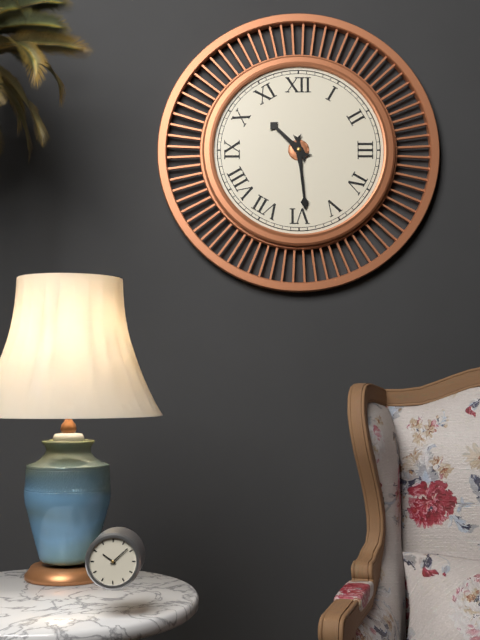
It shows 10,29
